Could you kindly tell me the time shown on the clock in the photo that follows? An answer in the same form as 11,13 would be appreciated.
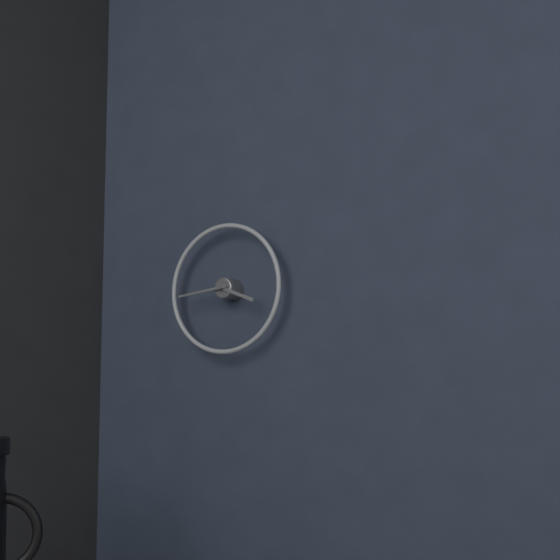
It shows 3,44
